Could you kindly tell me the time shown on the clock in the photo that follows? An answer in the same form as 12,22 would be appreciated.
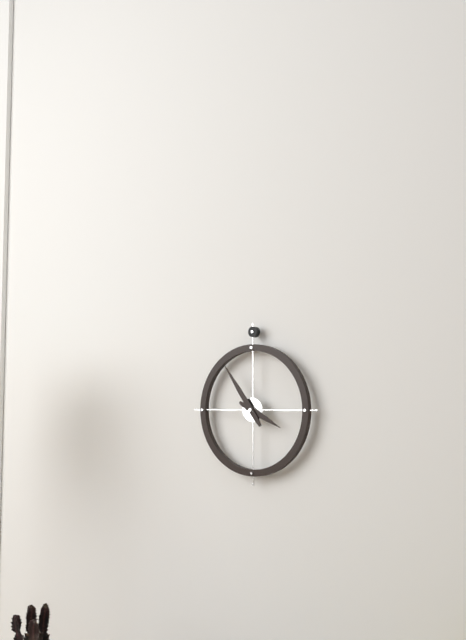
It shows 3,54
